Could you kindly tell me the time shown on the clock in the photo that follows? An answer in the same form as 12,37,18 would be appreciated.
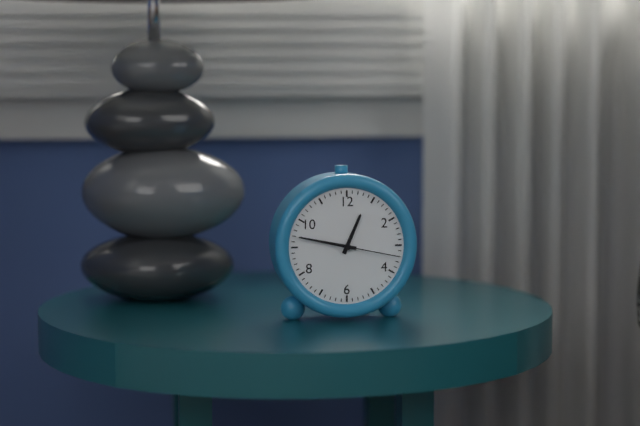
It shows 12,47,17
